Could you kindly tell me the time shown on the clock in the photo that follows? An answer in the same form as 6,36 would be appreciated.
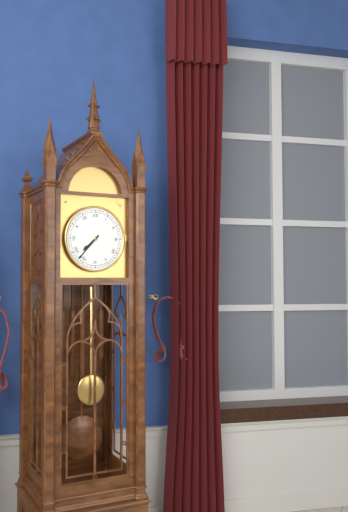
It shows 7,37
